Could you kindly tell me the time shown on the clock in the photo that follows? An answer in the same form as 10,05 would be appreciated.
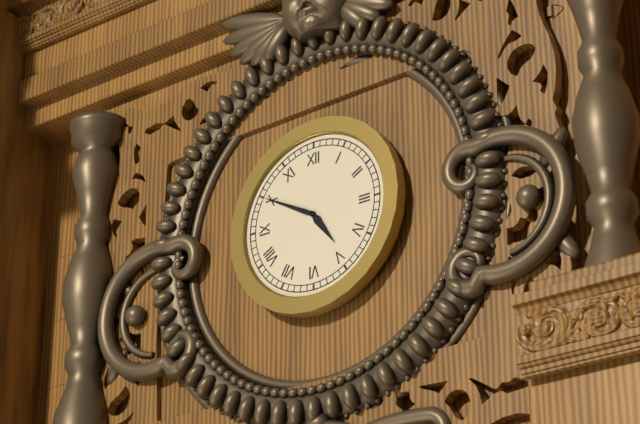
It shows 4,50
